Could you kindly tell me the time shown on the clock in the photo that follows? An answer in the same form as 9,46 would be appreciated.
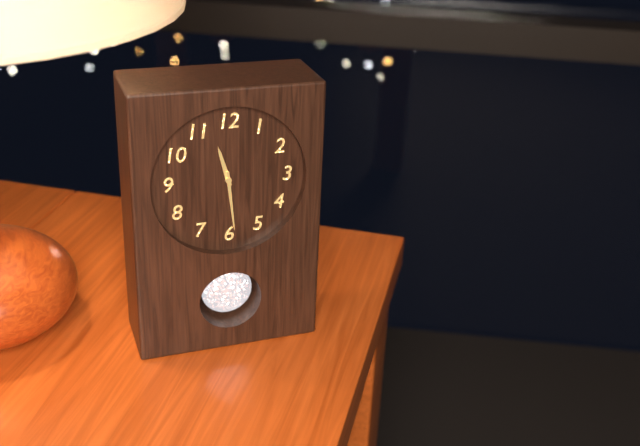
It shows 11,29
